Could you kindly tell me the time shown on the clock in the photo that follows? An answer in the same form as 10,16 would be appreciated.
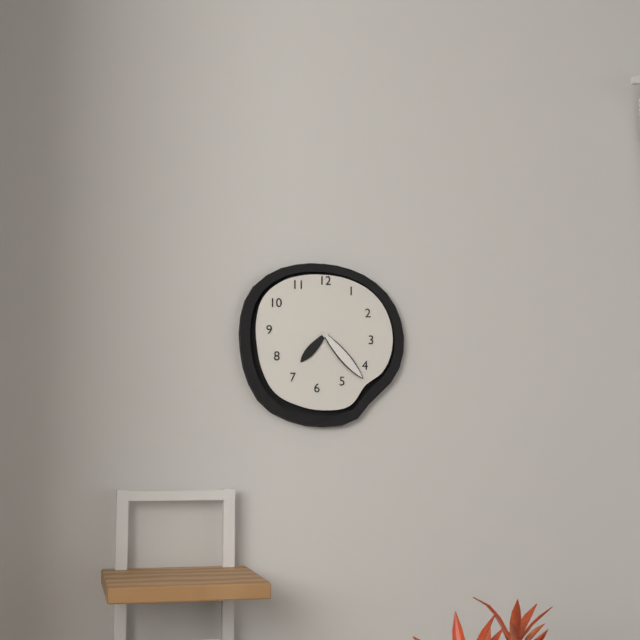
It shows 7,23
